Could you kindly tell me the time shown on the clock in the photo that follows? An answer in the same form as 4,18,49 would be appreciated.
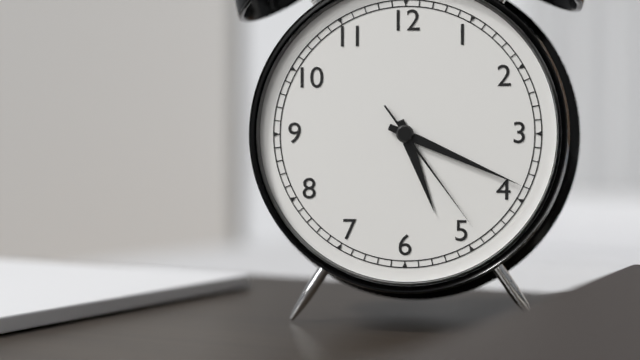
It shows 5,19,24
